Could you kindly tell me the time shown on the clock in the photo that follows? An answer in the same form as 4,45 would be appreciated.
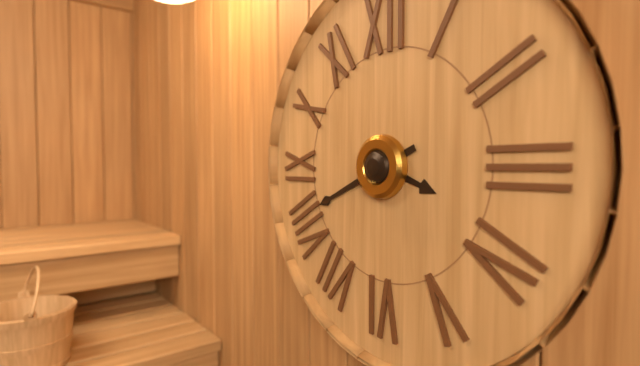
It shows 3,41
